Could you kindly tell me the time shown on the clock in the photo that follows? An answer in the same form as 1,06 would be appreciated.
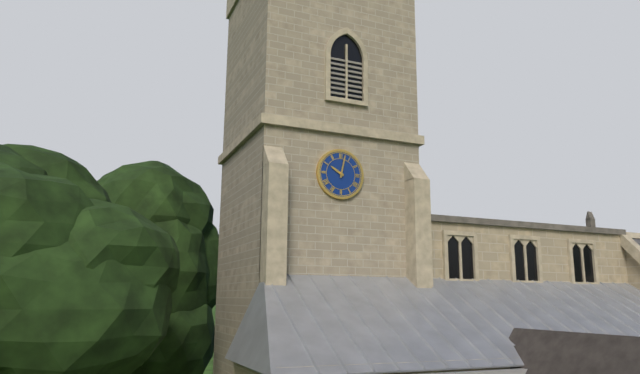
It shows 10,02
